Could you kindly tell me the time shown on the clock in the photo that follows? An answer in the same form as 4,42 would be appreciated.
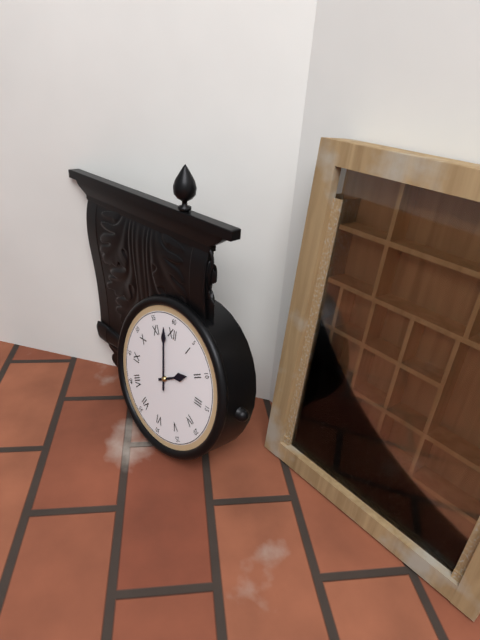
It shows 1,58
